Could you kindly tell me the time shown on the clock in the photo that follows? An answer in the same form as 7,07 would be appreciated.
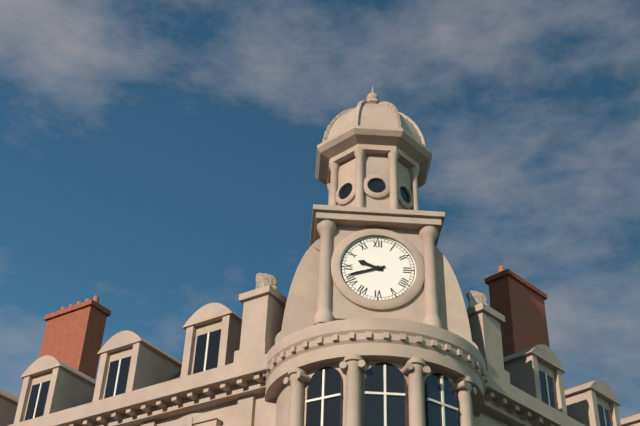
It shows 9,42
